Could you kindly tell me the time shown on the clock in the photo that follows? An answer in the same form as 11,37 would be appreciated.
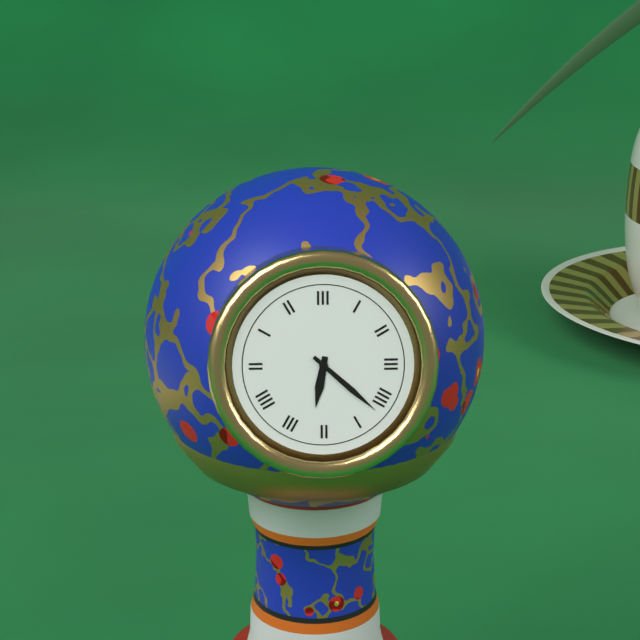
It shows 6,22
